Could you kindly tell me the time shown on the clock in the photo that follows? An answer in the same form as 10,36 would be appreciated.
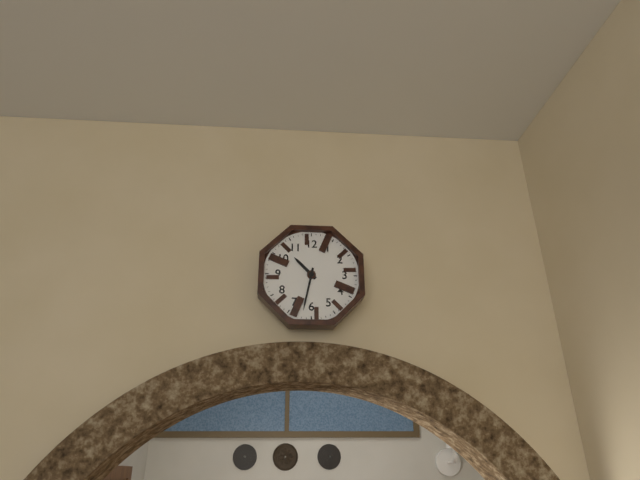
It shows 10,32
